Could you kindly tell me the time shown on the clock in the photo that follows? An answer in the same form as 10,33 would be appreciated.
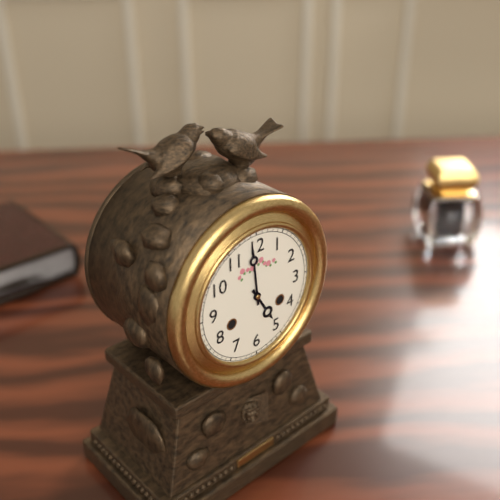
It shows 4,59
